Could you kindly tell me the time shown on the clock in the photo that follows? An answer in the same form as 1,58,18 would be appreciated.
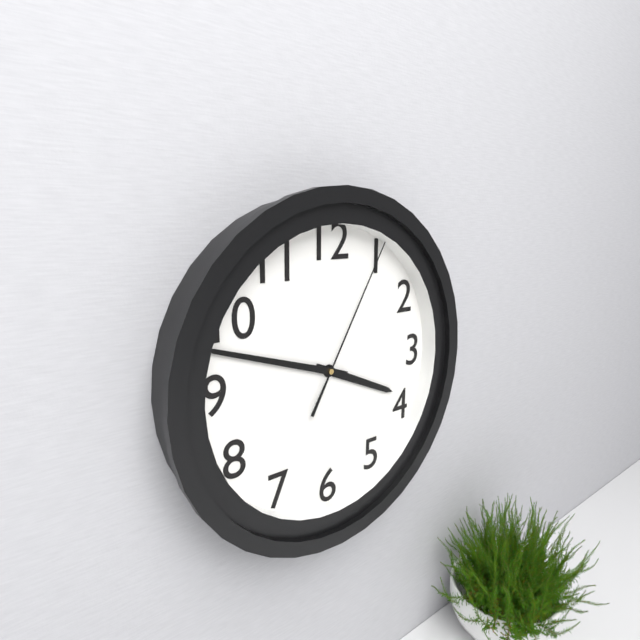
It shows 3,48,05
